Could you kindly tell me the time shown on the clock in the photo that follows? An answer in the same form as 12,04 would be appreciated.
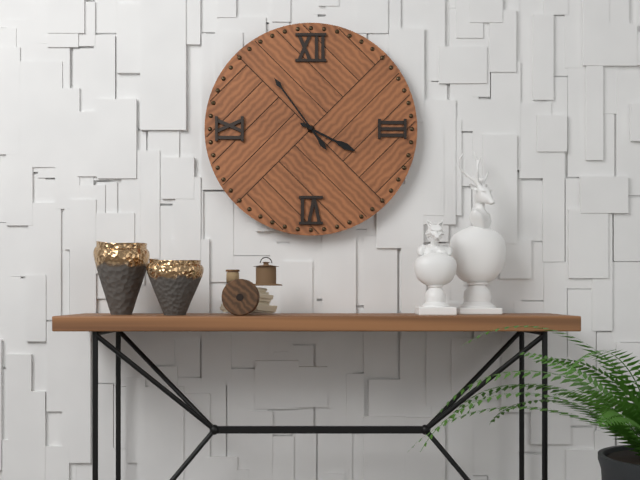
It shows 3,54
